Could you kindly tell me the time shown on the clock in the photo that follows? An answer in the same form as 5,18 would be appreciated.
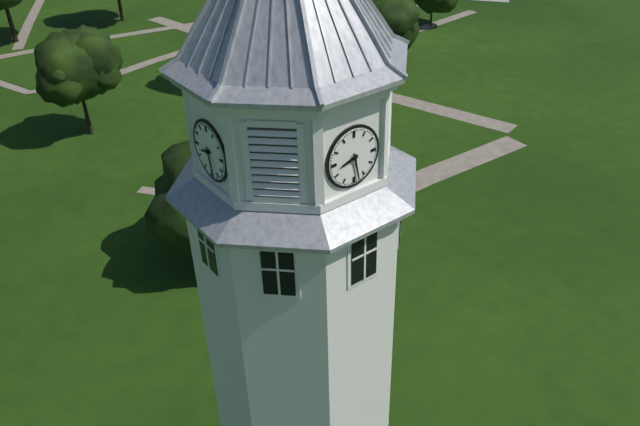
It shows 8,28
